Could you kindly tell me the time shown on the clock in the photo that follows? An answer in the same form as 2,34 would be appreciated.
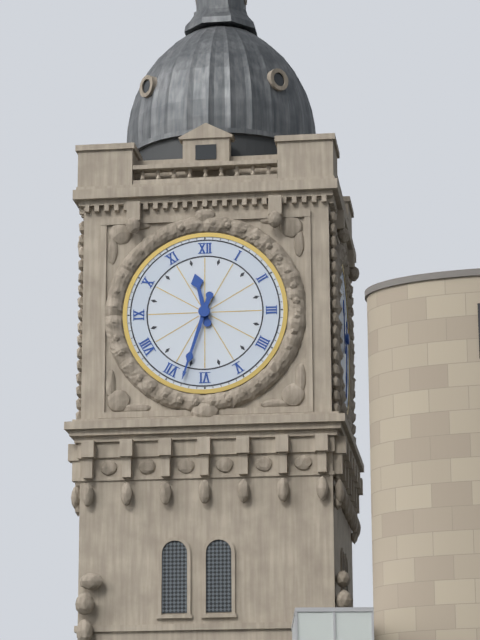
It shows 11,33
